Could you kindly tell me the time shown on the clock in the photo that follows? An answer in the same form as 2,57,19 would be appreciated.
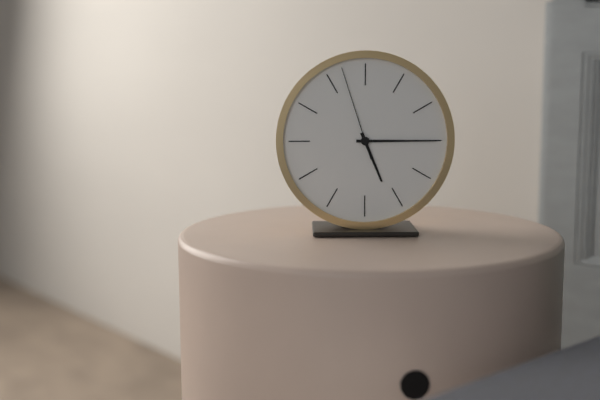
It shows 5,15,57
